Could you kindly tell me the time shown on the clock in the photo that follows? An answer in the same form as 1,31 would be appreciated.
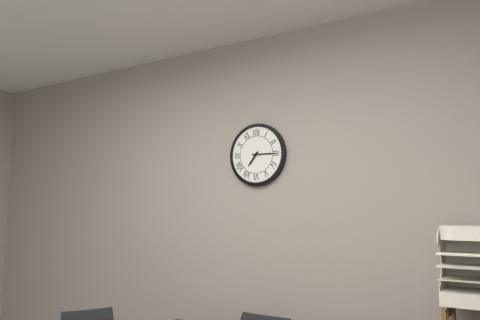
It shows 7,15
